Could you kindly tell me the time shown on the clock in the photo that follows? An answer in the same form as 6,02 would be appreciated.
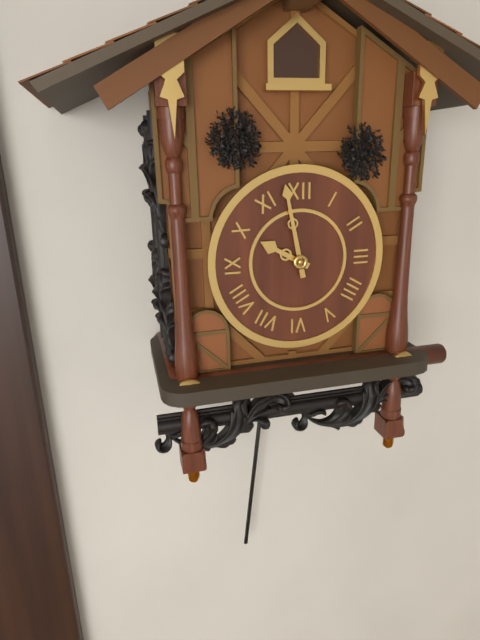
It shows 9,58
